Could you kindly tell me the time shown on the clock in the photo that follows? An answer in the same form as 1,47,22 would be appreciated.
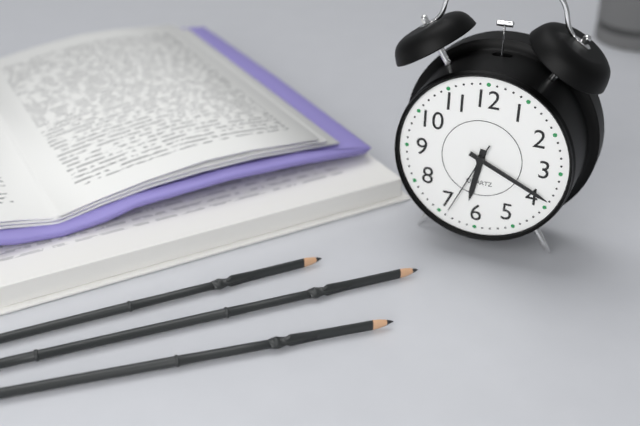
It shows 6,19,34
